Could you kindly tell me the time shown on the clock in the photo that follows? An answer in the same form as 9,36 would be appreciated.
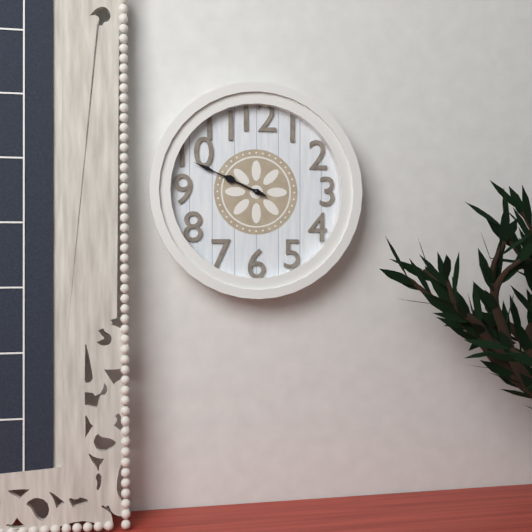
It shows 9,49
